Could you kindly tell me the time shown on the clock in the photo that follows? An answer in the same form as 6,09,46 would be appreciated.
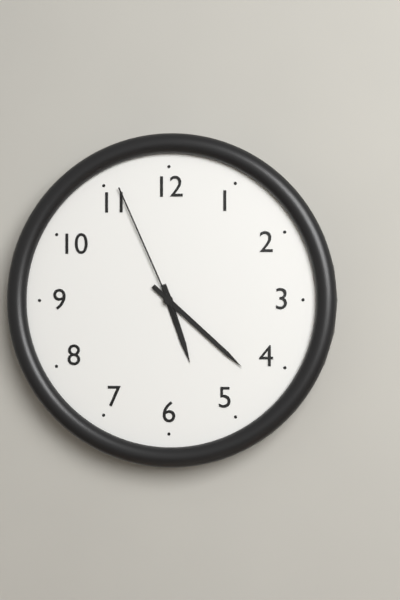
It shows 5,22,56
